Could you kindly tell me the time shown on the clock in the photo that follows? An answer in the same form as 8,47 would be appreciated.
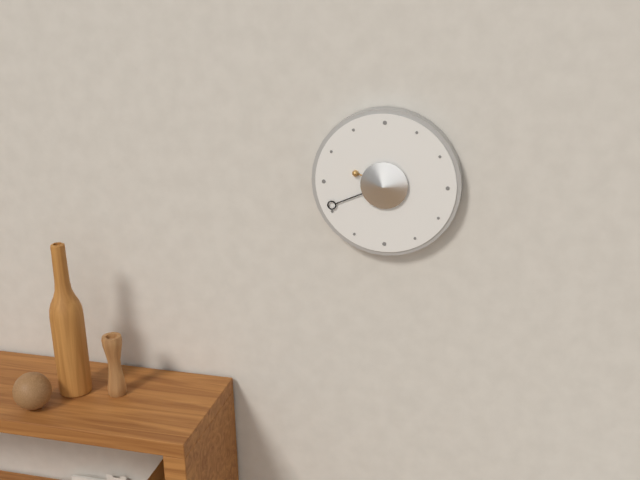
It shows 9,41
